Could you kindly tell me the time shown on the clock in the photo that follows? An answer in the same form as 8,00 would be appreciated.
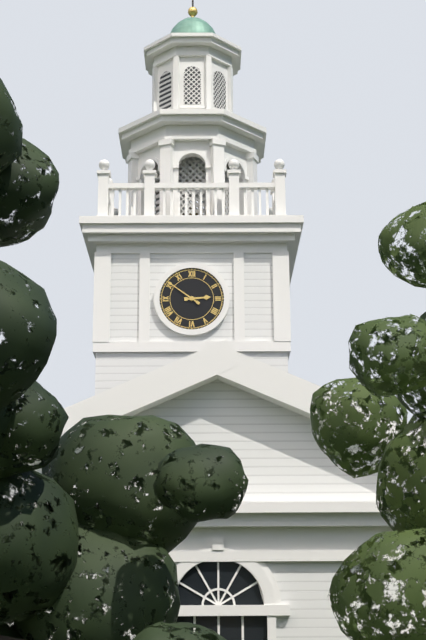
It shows 2,51
